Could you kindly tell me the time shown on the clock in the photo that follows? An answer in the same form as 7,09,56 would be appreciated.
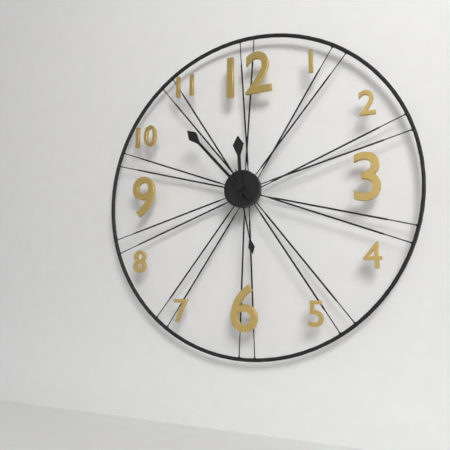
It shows 11,53,28
